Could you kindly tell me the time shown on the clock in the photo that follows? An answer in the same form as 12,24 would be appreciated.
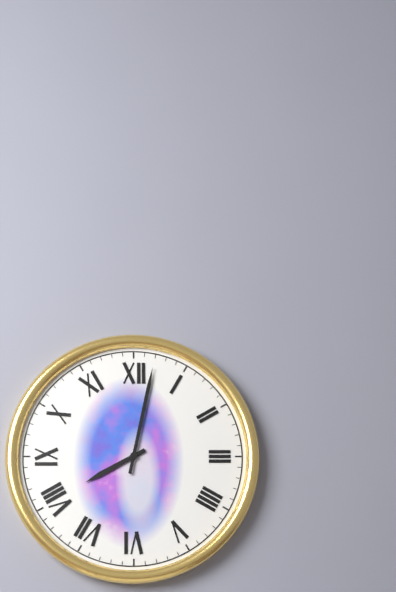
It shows 8,02
